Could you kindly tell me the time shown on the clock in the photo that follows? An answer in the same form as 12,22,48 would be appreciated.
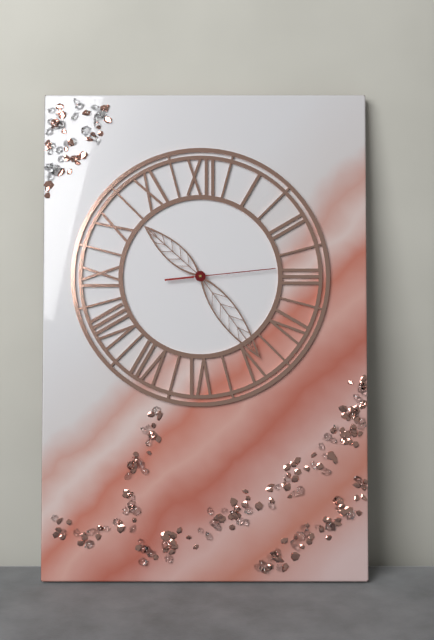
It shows 10,24,14
